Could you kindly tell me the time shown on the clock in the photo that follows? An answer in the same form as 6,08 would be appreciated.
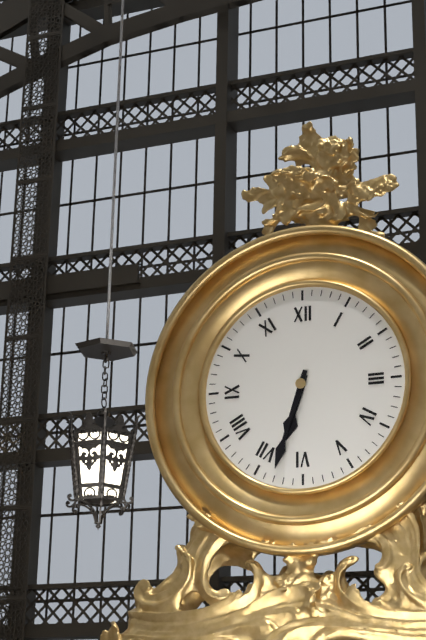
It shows 6,33
